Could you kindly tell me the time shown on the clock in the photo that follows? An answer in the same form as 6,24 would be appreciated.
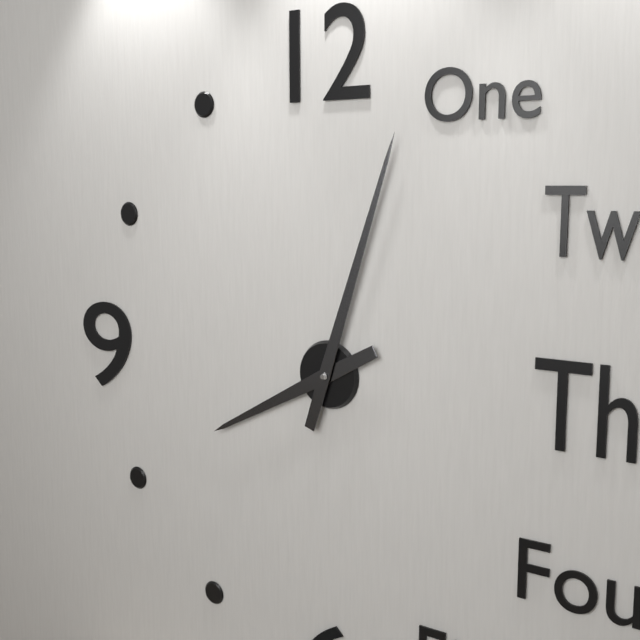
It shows 8,03
